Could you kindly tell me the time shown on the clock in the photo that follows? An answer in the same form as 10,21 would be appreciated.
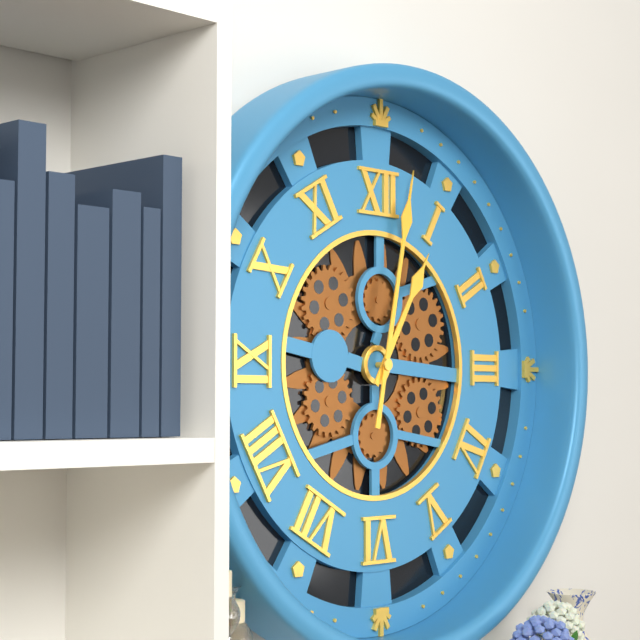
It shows 1,02
